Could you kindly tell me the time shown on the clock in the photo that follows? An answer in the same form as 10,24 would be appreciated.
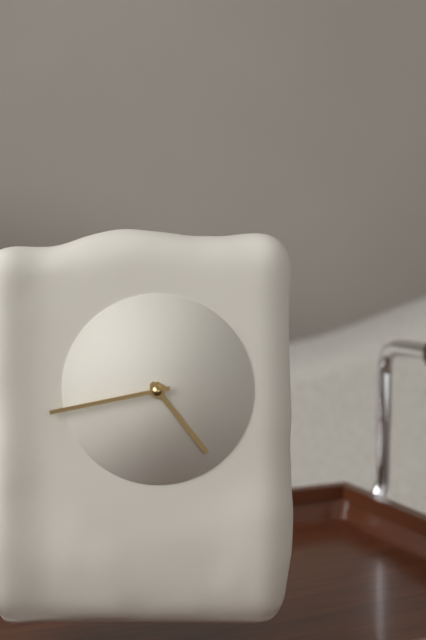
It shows 4,43
